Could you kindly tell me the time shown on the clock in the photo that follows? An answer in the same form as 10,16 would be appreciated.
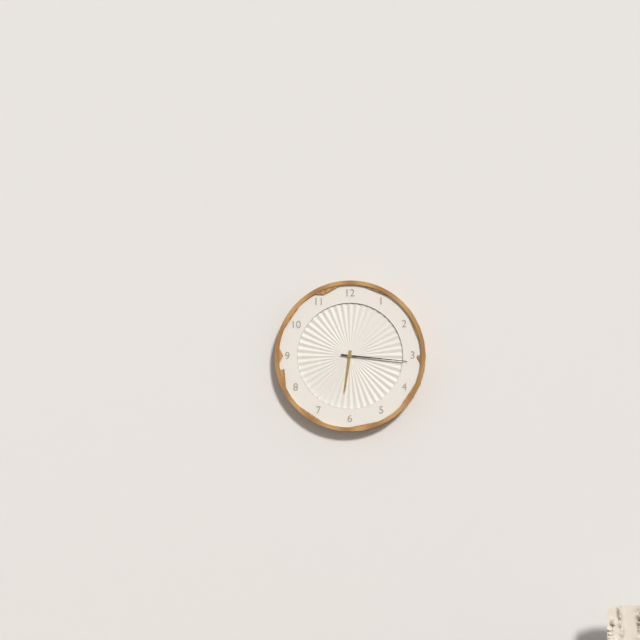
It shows 6,16
